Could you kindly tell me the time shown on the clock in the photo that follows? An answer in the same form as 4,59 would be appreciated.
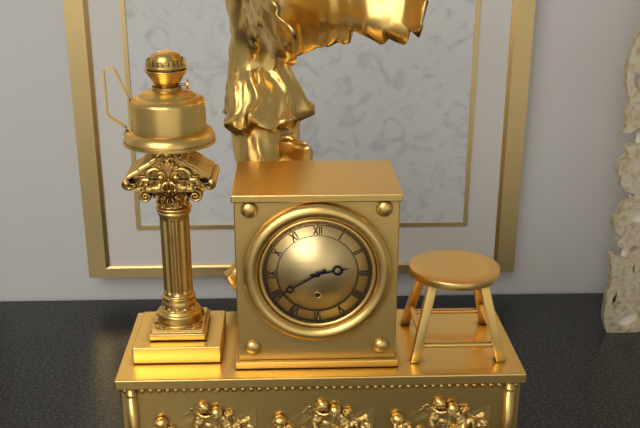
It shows 2,40
